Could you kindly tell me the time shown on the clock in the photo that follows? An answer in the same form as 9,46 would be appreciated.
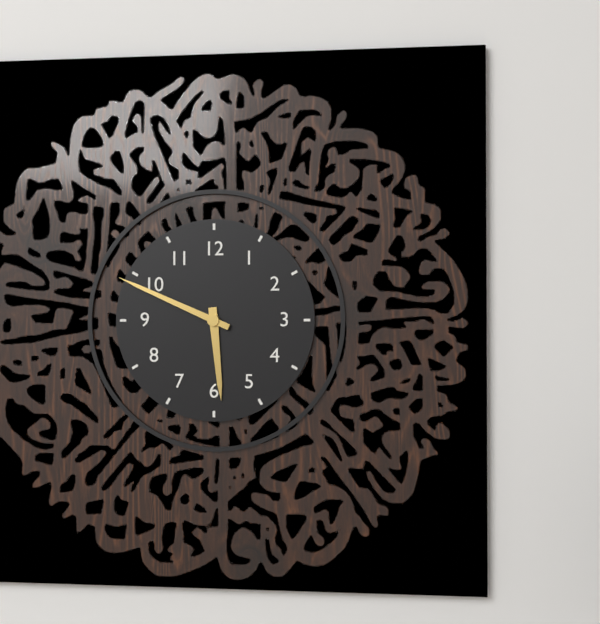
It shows 5,49
